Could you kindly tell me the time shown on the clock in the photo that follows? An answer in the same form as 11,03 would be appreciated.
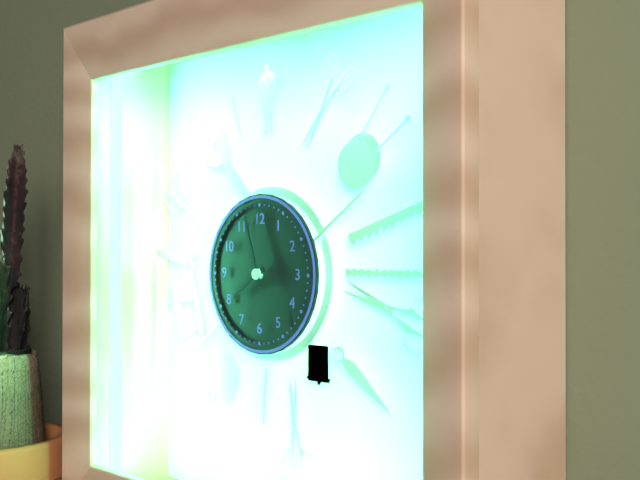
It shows 7,57
